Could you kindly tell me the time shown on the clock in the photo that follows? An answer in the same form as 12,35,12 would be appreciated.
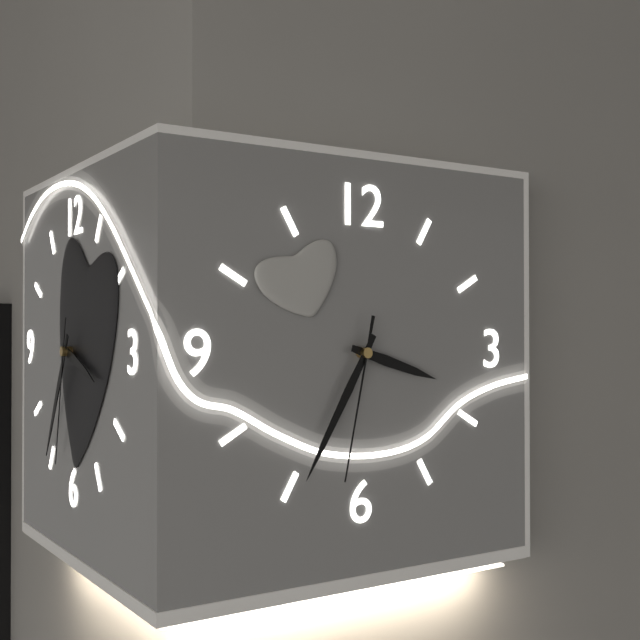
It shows 3,35,32
